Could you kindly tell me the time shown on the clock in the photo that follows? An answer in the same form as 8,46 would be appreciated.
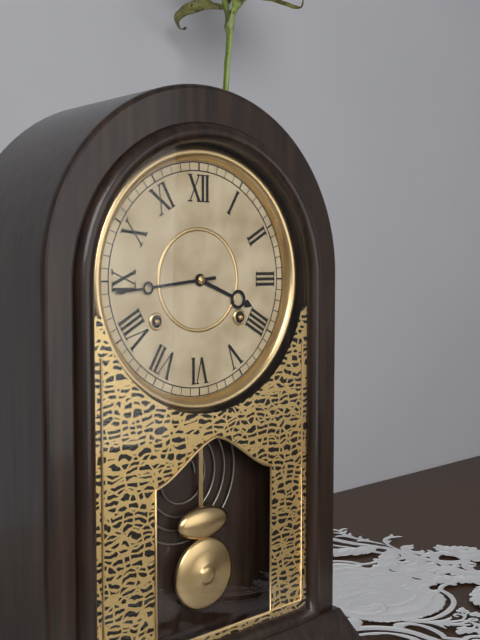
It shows 3,44
